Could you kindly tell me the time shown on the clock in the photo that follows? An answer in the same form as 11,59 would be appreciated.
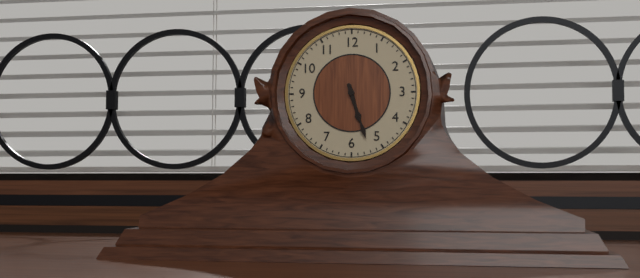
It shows 5,27
